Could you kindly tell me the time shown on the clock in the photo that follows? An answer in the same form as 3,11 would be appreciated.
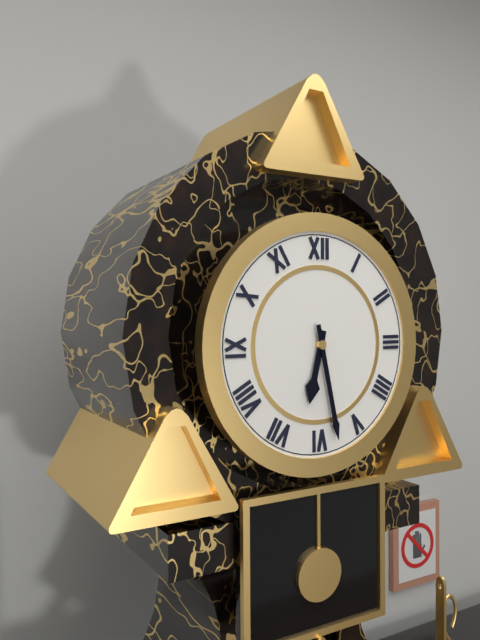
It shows 6,28
